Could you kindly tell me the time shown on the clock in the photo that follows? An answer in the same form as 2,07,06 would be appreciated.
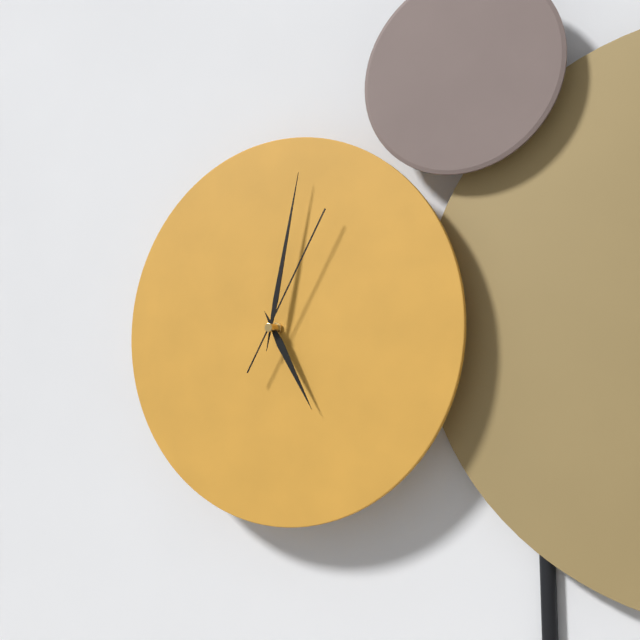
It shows 5,02,05
